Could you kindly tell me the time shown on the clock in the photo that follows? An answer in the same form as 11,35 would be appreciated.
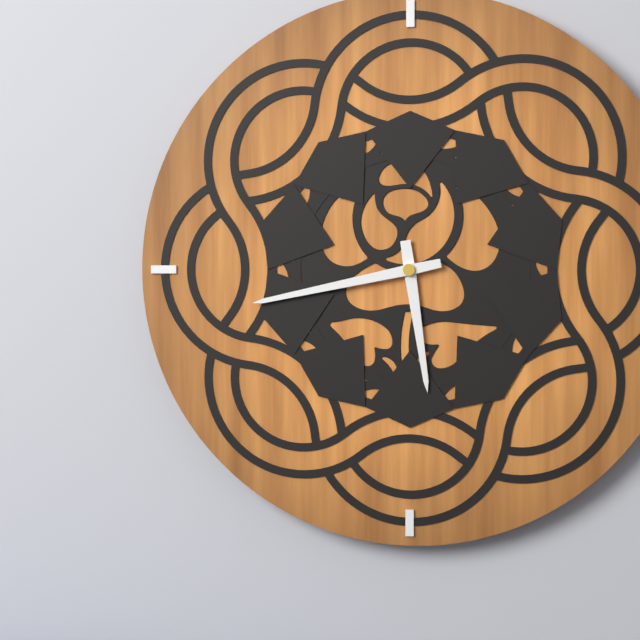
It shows 5,43
